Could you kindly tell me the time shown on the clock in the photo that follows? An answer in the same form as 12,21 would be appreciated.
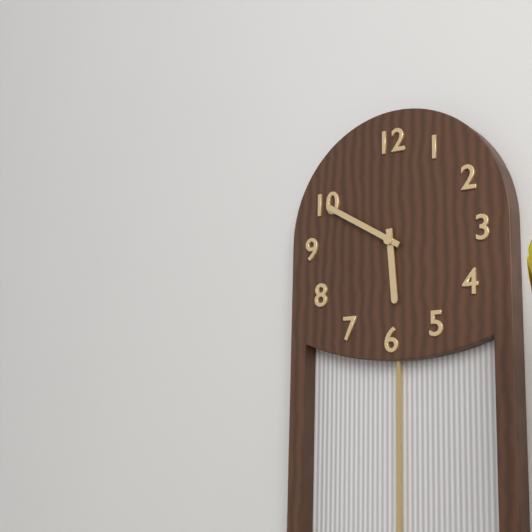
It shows 5,50
